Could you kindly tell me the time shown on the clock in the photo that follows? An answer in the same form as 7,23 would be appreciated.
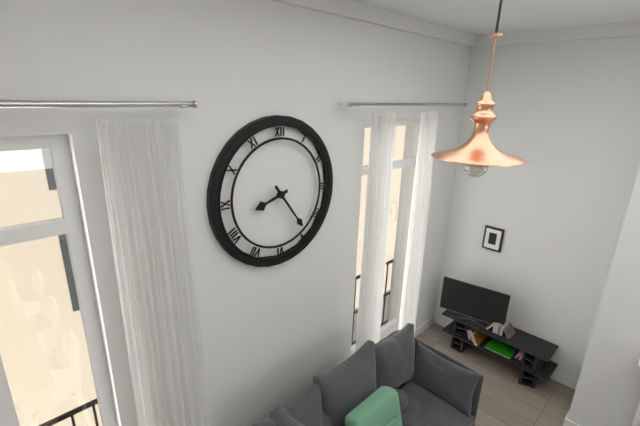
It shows 8,24
